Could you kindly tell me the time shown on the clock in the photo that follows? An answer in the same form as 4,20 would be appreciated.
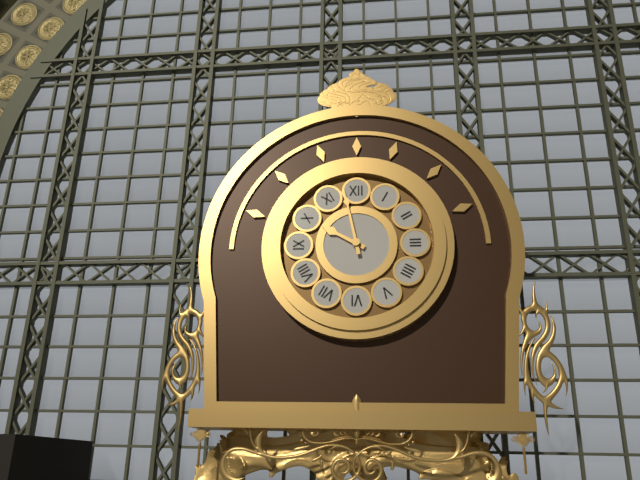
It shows 9,58
